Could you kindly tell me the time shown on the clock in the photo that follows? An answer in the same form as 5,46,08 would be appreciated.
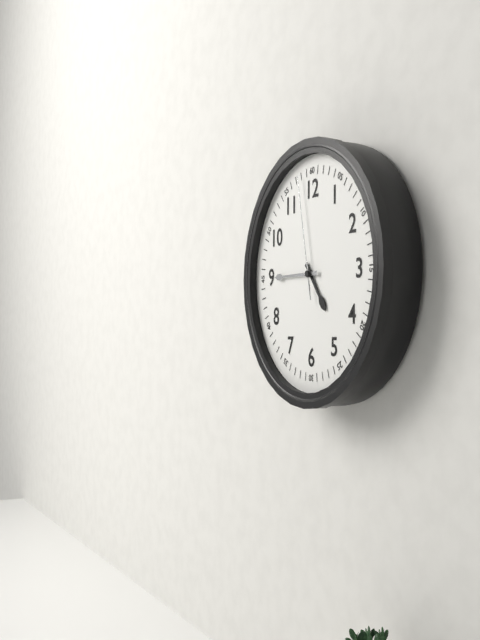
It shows 4,45,58
